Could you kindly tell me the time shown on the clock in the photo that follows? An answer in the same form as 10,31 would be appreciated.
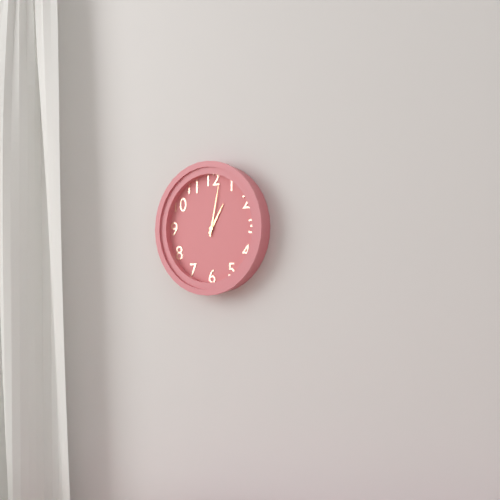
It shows 1,02
